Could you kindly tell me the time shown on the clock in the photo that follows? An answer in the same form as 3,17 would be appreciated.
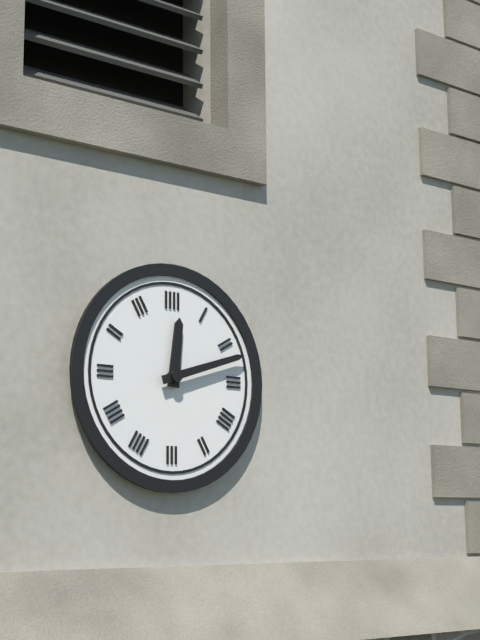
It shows 12,12
